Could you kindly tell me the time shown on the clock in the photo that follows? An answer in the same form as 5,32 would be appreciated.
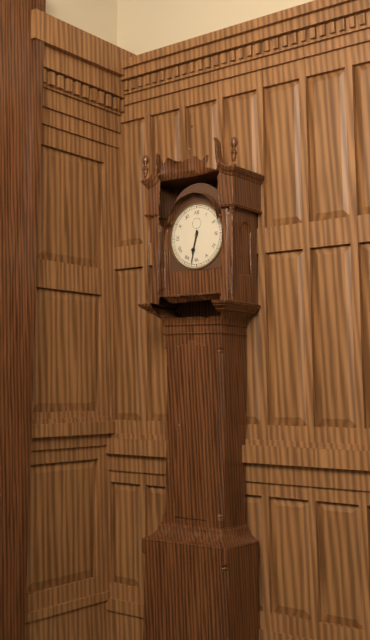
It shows 6,32
